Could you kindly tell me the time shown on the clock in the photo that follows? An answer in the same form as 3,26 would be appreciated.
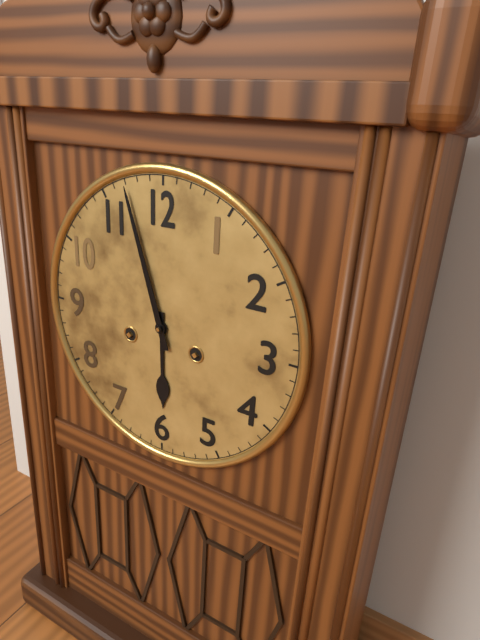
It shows 5,57
